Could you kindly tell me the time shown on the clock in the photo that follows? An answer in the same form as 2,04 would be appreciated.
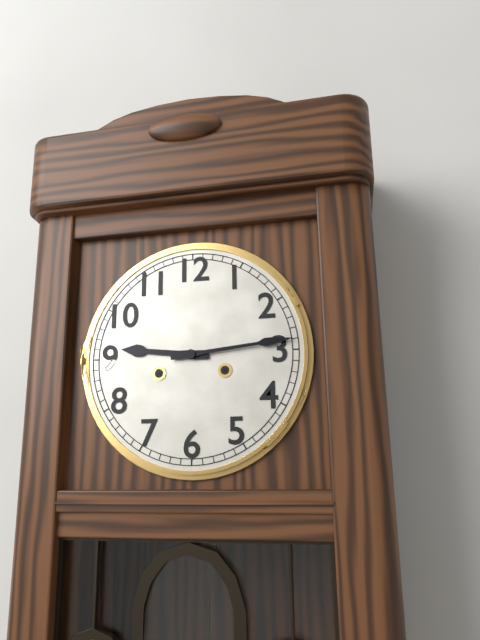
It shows 9,14
